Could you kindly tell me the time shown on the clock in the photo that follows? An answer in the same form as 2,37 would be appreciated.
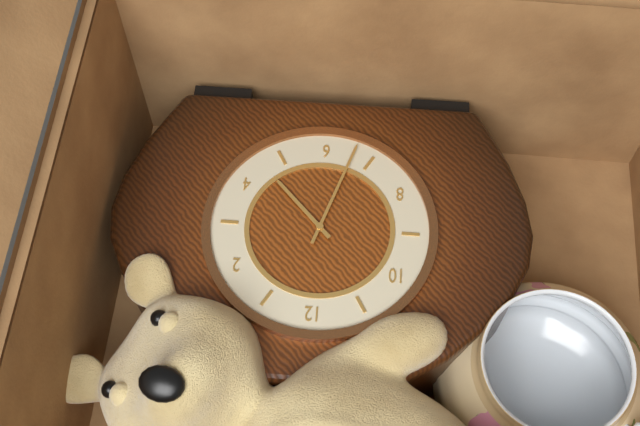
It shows 4,33
